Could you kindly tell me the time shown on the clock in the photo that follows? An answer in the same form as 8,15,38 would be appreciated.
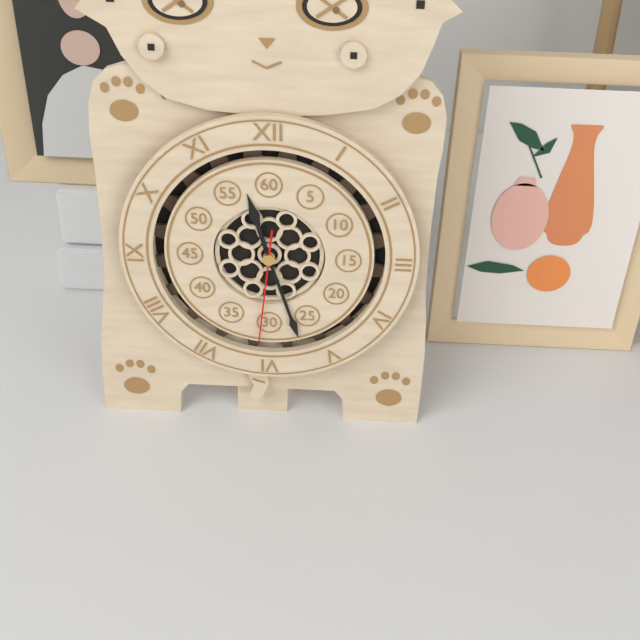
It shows 11,27,31
